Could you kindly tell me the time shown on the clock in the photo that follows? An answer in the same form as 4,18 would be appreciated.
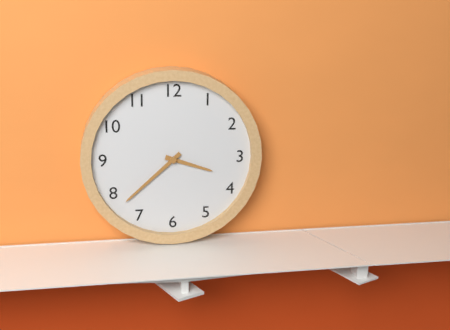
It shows 3,38
